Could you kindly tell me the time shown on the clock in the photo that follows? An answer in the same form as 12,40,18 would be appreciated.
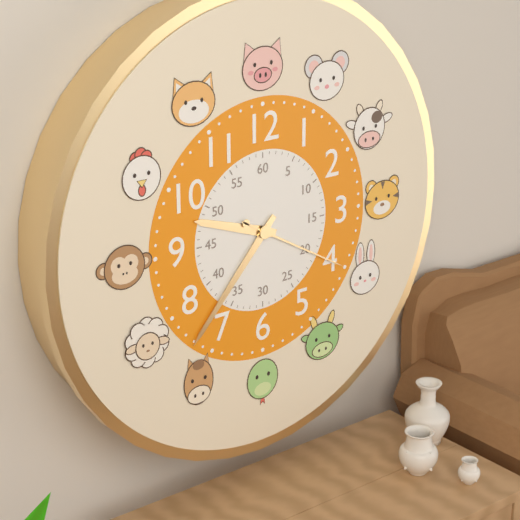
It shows 9,37,20
